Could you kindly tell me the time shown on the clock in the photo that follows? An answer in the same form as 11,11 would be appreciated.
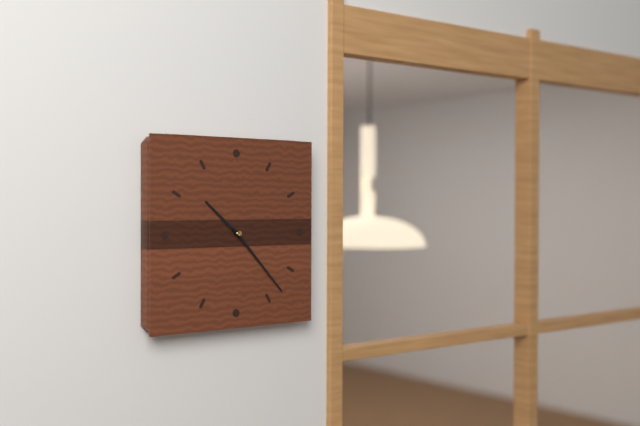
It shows 10,23
